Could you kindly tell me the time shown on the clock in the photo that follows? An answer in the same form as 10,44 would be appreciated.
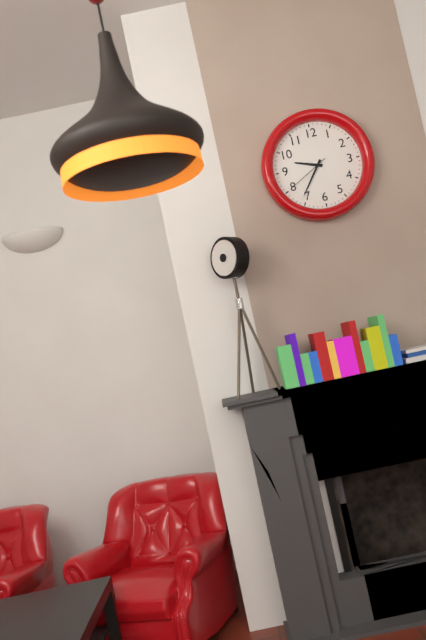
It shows 9,36
